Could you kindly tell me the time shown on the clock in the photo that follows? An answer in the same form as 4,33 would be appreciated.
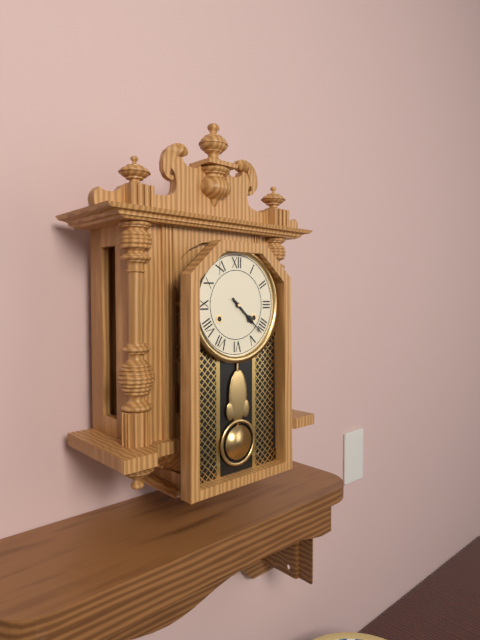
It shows 4,22
